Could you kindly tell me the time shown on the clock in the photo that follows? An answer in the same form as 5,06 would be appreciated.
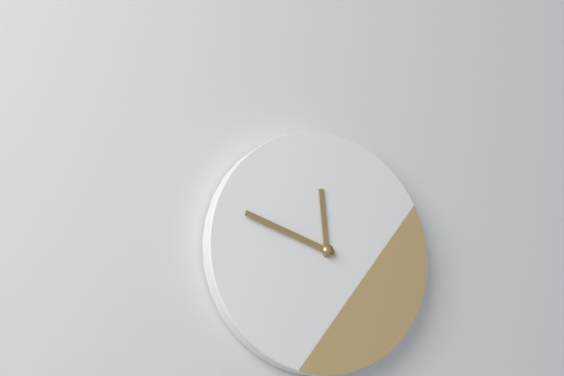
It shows 11,48
